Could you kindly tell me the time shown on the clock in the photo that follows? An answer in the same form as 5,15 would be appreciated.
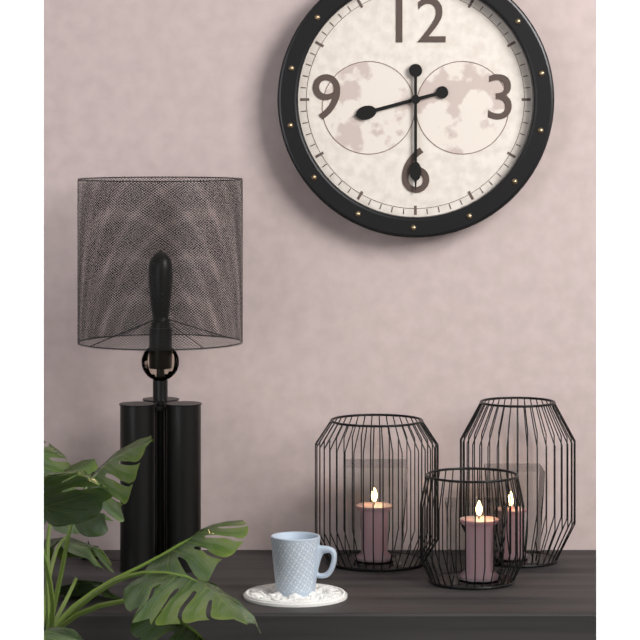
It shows 8,30
